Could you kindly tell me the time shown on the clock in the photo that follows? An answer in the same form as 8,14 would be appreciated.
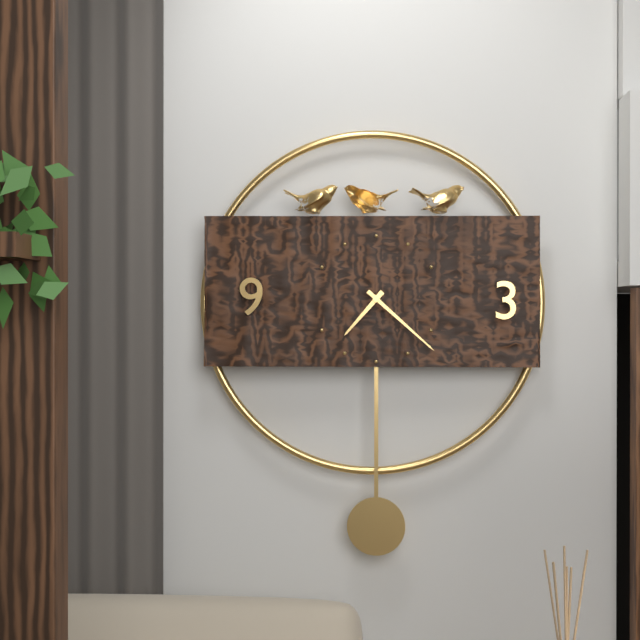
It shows 7,22
